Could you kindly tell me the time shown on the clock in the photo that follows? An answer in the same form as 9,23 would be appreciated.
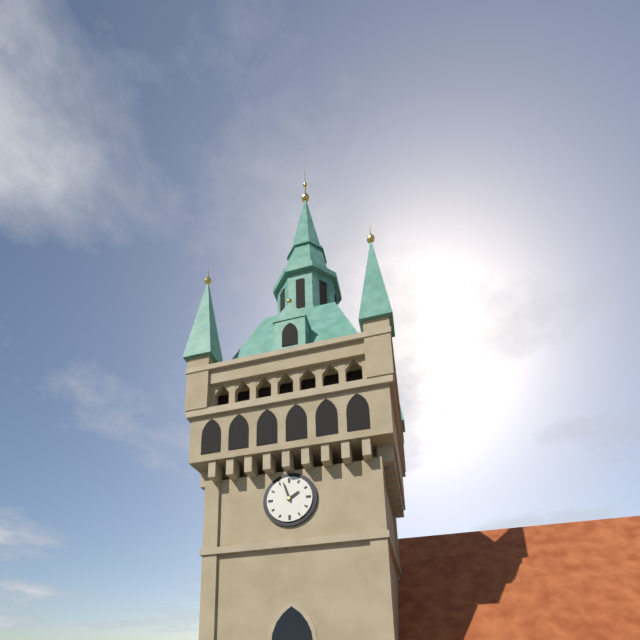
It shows 1,57
